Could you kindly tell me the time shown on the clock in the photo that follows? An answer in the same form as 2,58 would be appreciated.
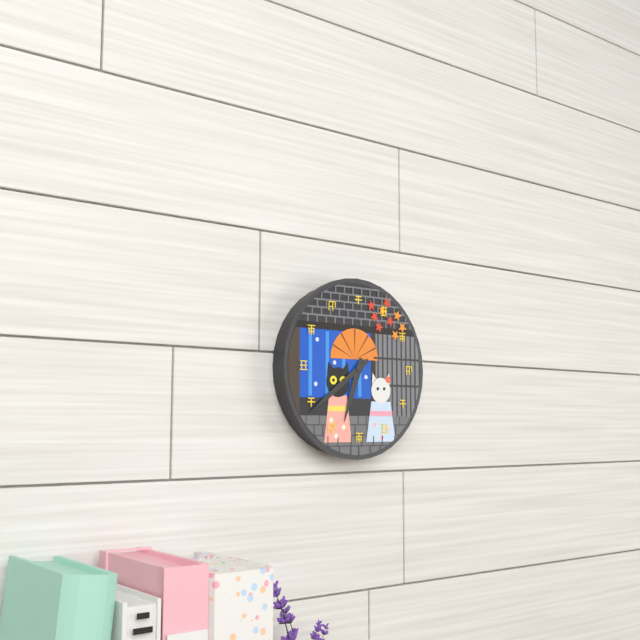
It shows 6,39
